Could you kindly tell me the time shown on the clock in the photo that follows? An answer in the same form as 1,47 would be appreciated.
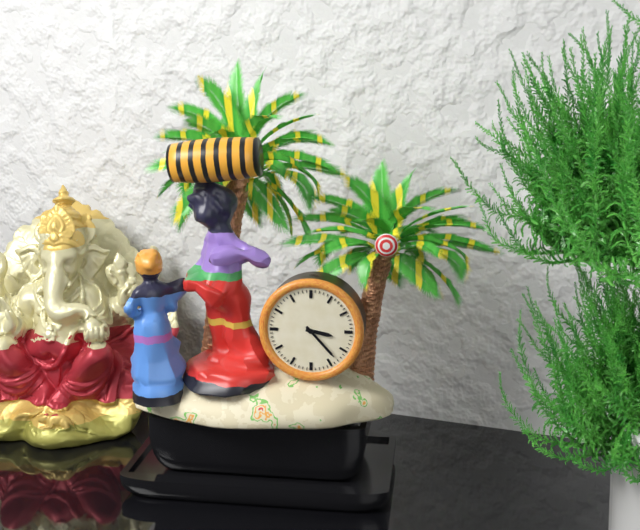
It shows 3,23
